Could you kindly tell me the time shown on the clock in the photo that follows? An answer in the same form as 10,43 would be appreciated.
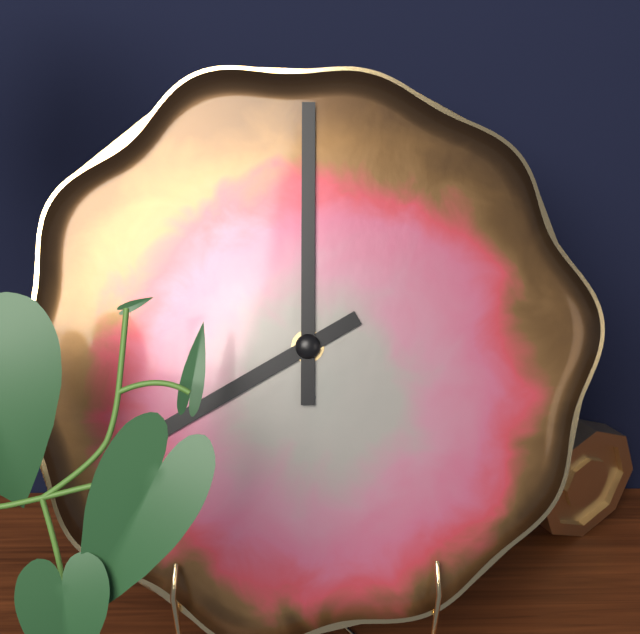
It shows 8,00
